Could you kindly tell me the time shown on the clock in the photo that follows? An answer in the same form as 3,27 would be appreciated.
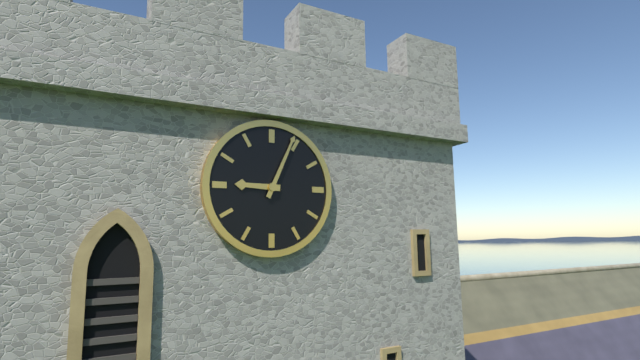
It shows 9,04
